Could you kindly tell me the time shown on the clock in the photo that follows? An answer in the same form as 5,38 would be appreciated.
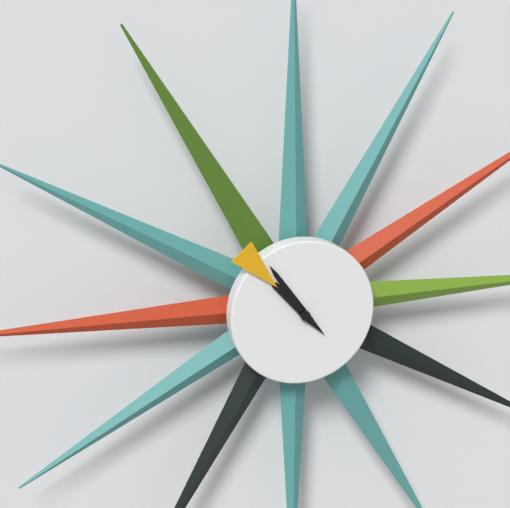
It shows 10,53
